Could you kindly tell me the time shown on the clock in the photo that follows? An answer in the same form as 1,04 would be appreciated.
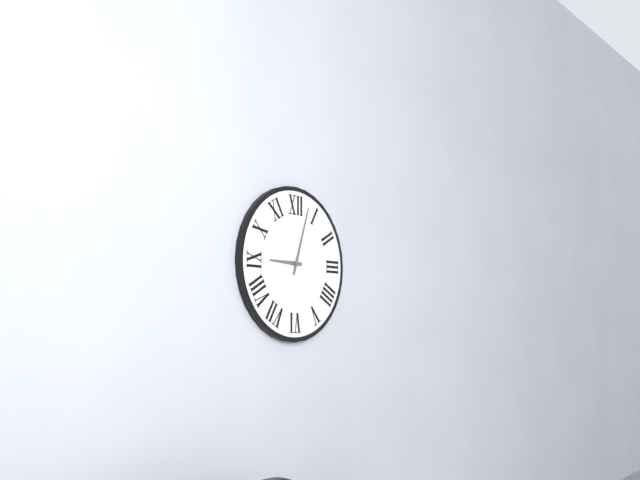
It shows 9,03
